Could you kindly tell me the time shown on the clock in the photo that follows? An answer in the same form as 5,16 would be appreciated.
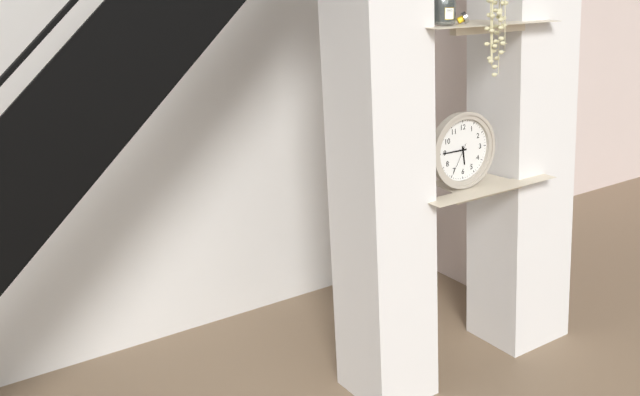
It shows 5,45
